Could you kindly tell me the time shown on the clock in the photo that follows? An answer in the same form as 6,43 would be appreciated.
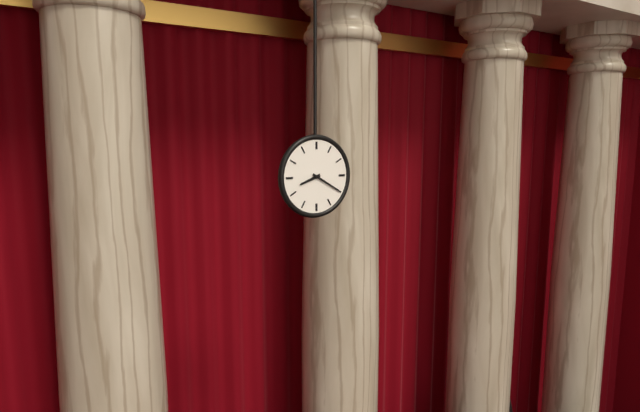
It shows 8,20
